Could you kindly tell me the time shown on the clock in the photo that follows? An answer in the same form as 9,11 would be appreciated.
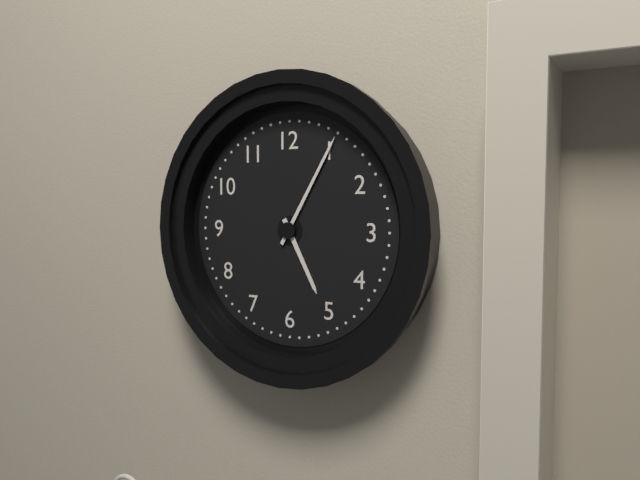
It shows 5,05
